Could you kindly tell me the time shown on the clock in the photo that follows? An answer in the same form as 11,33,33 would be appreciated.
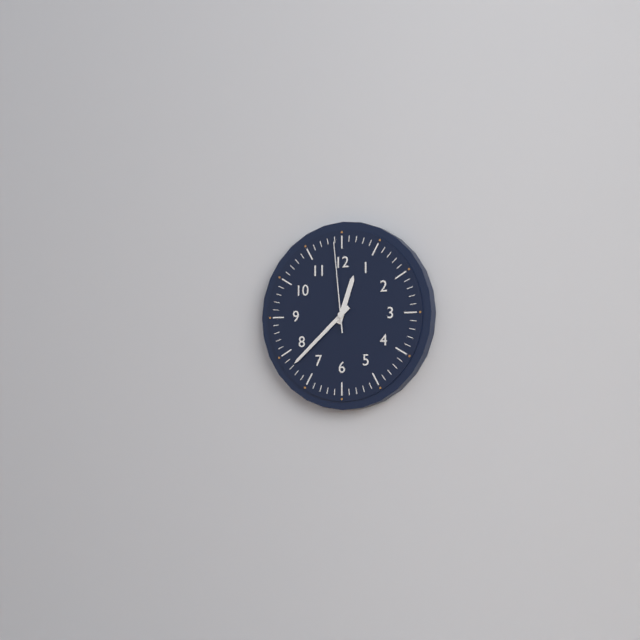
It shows 12,38,59
